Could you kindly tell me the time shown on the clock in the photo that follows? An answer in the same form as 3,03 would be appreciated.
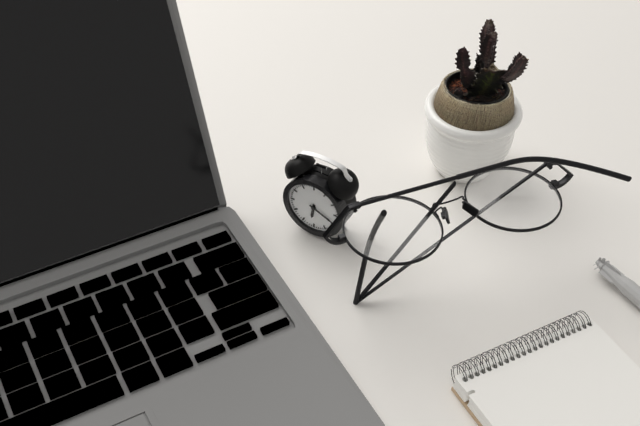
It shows 6,19
